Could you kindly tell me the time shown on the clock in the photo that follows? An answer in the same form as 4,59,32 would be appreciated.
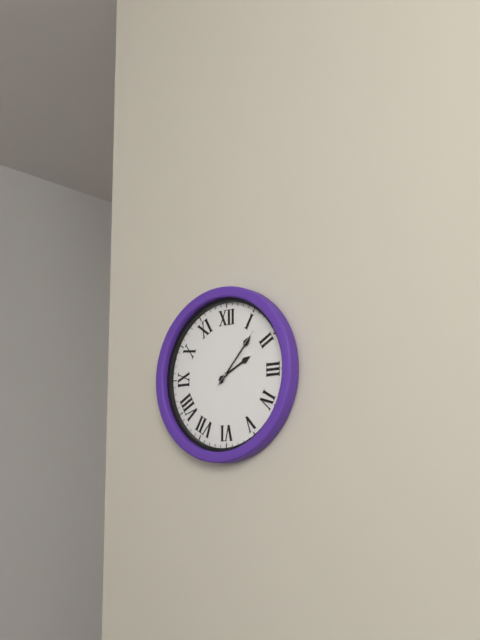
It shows 2,07,07
